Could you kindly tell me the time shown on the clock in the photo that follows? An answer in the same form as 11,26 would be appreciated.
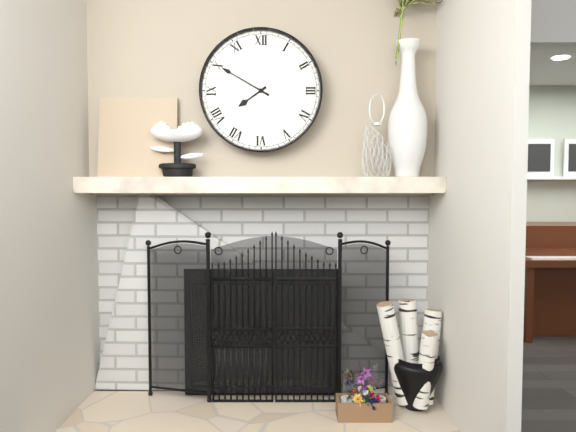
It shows 7,50
